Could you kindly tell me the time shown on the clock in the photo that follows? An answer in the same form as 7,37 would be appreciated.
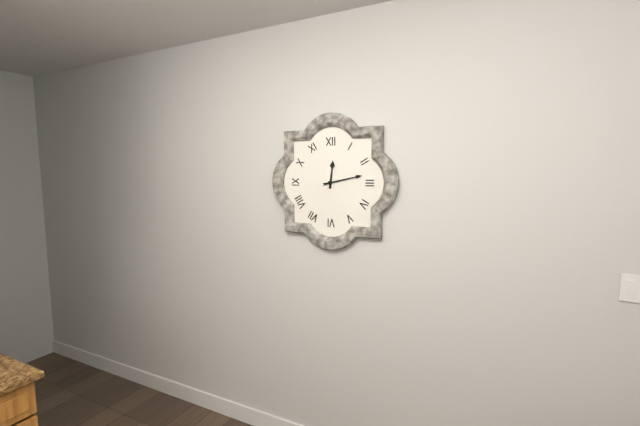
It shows 12,13
